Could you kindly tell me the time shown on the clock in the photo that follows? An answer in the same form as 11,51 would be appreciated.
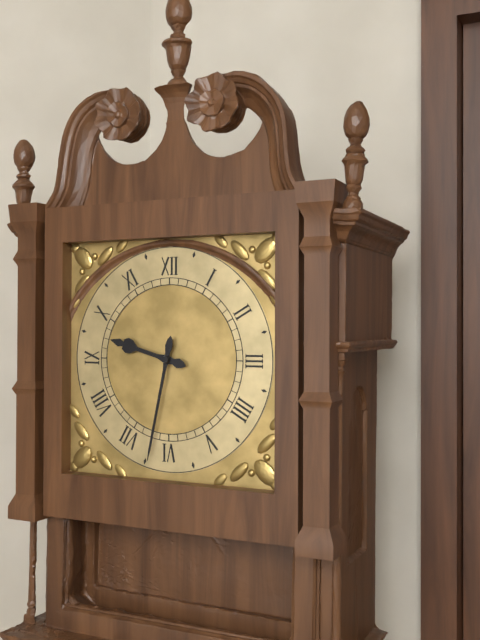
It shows 9,32
